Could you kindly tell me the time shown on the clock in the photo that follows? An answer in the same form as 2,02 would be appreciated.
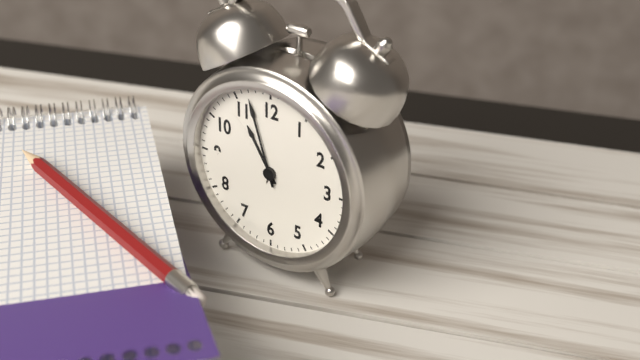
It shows 10,57
